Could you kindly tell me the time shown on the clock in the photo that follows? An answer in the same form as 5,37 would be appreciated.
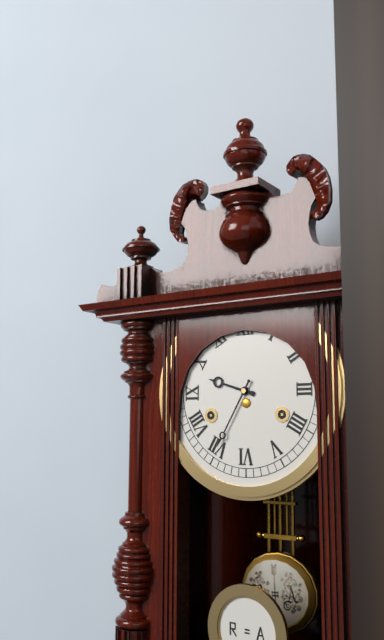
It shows 9,35
